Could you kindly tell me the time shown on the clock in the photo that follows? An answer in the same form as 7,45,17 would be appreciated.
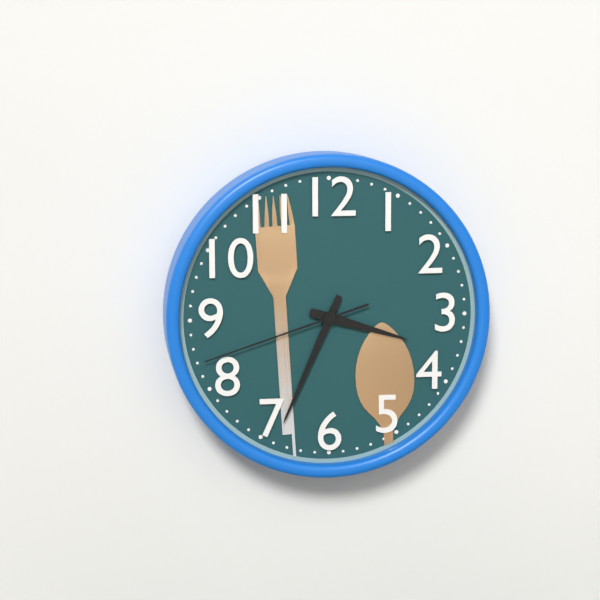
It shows 3,34,42
